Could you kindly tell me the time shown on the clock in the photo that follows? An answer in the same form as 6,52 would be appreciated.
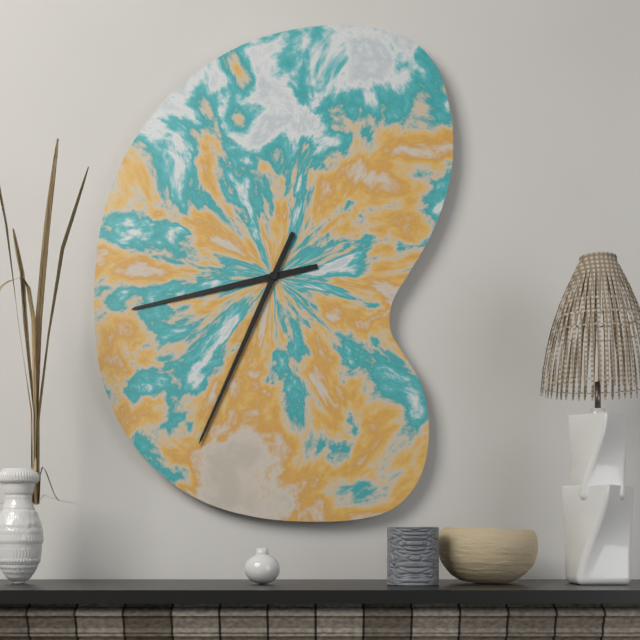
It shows 8,34
